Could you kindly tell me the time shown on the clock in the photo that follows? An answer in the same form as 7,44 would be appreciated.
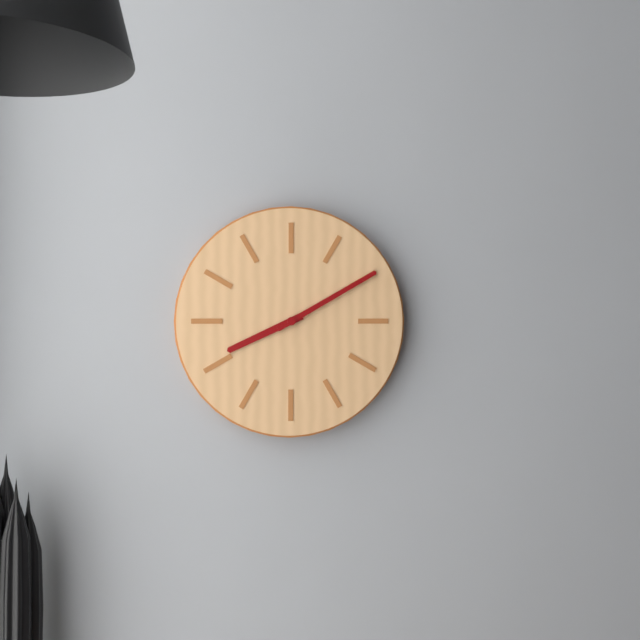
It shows 8,10
